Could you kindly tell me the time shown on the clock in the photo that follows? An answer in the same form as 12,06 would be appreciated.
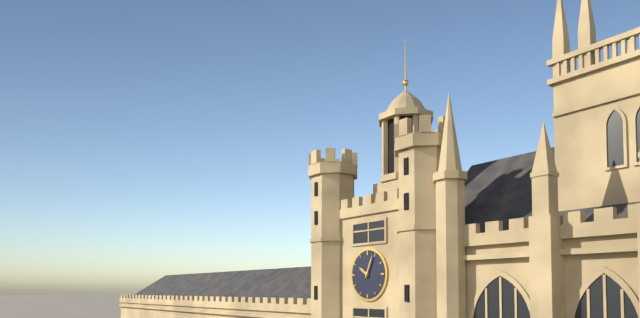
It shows 10,04
